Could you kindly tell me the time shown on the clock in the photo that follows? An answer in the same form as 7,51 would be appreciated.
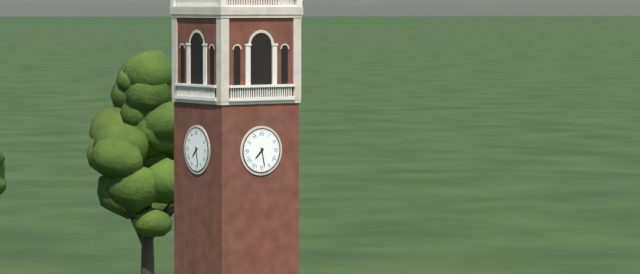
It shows 7,28
